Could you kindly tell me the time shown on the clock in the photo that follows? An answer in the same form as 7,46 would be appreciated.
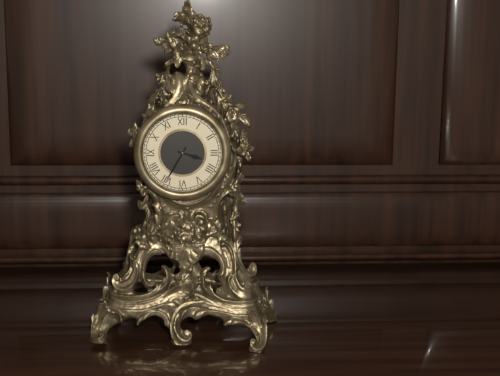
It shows 3,35
